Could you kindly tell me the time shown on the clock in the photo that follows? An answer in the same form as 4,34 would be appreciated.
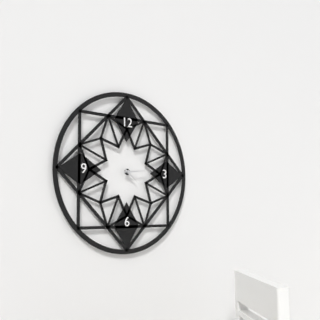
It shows 4,14
